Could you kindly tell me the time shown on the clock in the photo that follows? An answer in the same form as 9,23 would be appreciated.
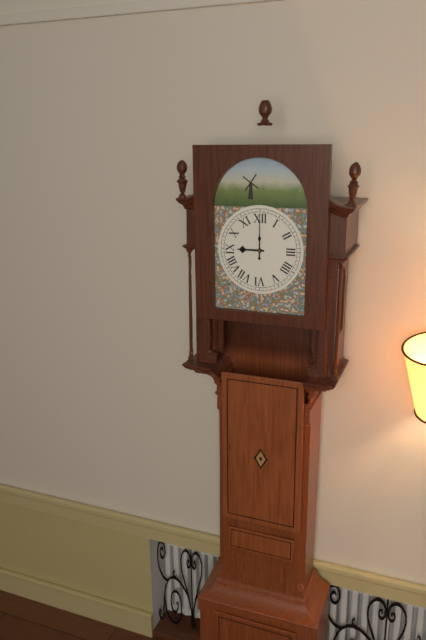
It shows 9,00
